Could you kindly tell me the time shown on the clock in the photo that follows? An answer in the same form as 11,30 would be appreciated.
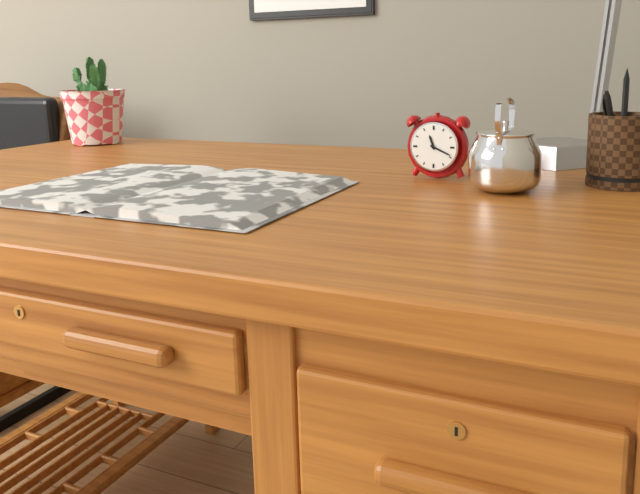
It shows 11,19
